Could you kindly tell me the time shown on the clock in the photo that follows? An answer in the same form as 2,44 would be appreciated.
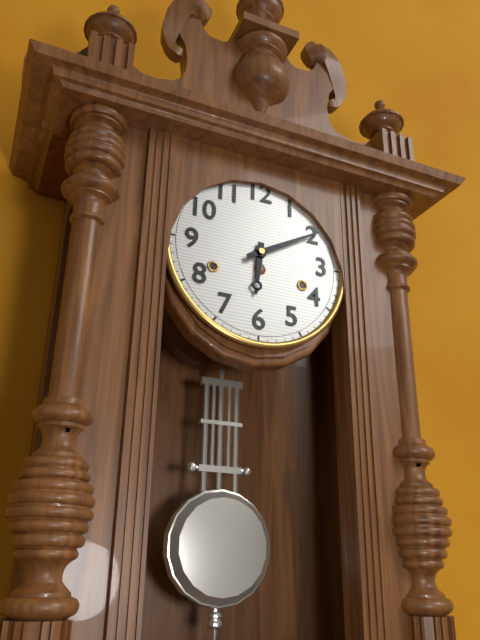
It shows 6,10
